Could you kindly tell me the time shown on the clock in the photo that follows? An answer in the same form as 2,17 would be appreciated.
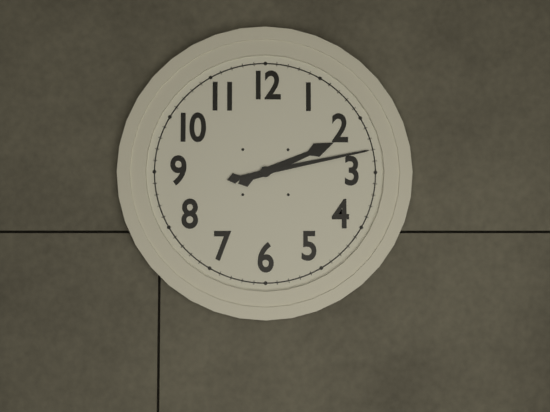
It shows 2,13
